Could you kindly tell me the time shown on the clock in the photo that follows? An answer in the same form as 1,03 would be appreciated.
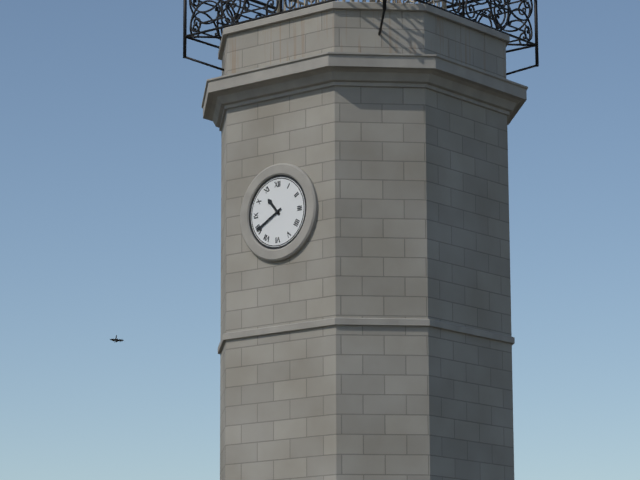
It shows 10,40
